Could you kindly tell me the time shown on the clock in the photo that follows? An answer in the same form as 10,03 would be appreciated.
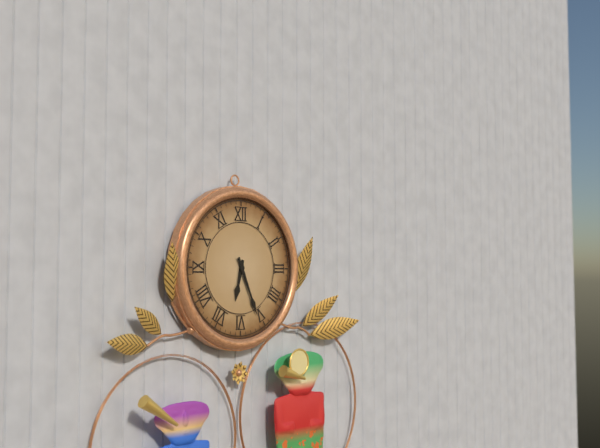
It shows 6,26
